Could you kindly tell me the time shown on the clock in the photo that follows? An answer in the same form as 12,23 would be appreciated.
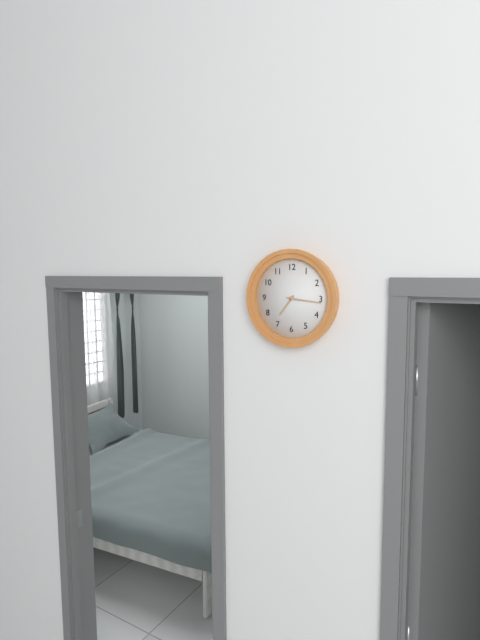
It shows 7,16
